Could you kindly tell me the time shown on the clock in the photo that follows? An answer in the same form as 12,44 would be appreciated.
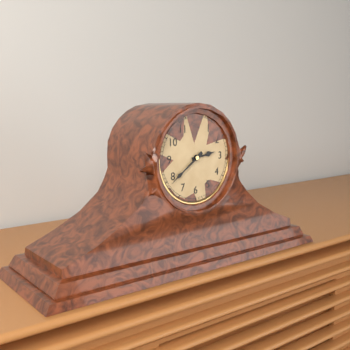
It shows 2,39
